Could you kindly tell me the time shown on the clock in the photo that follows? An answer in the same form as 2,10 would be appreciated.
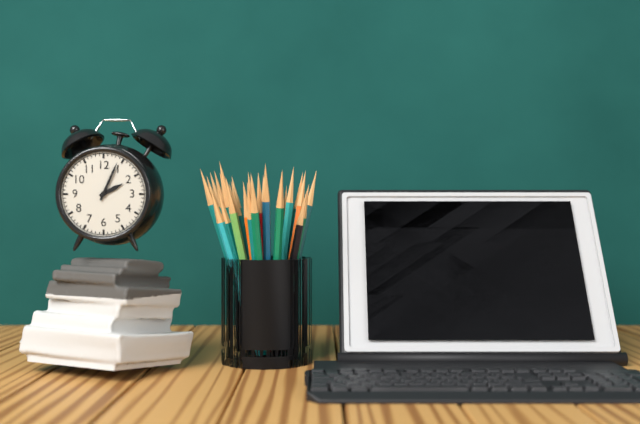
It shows 2,04
